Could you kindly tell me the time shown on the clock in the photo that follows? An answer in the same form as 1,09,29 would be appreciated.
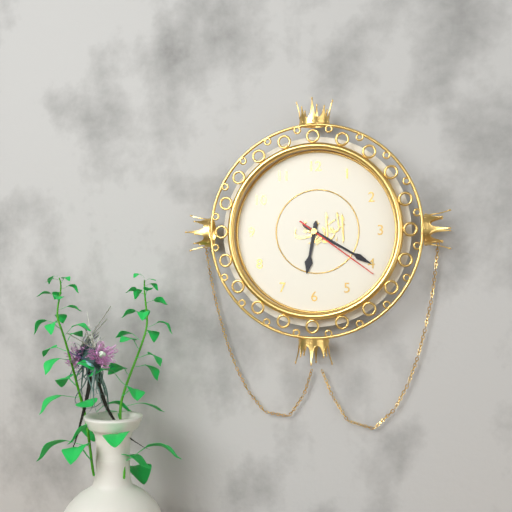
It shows 6,20,21
